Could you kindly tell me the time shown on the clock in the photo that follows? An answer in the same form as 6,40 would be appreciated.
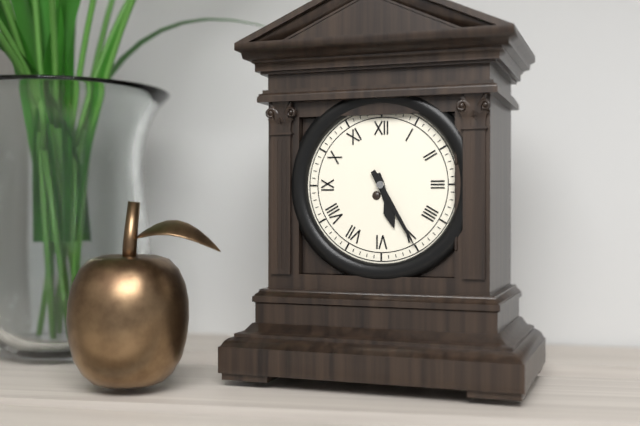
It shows 5,25
